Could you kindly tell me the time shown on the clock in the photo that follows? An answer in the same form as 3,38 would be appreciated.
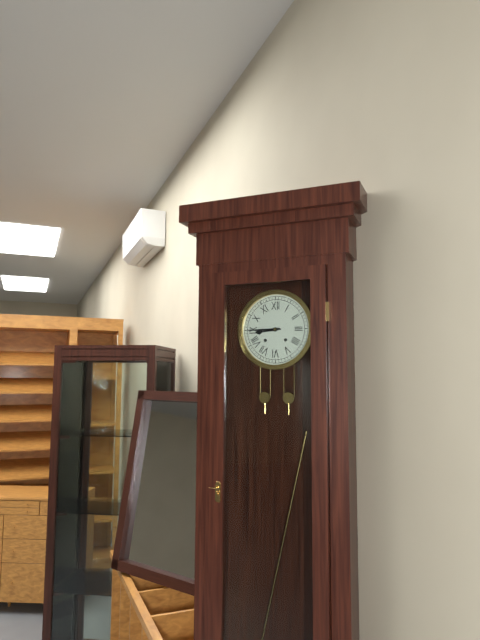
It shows 8,45
